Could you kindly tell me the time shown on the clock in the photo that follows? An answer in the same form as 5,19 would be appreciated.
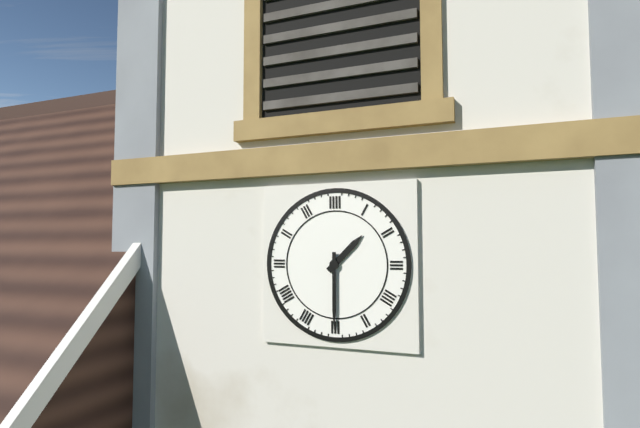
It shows 1,30
